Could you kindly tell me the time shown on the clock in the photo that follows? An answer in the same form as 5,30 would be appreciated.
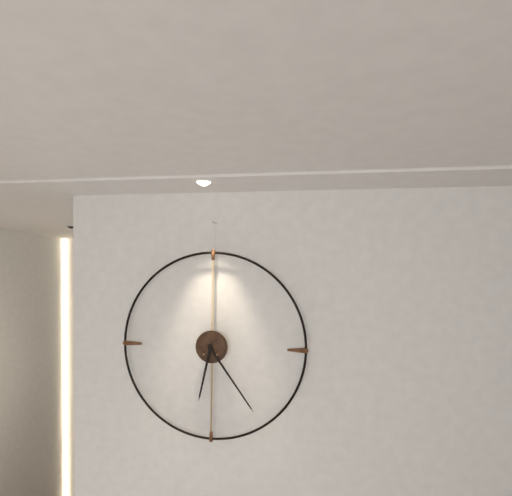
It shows 6,24
